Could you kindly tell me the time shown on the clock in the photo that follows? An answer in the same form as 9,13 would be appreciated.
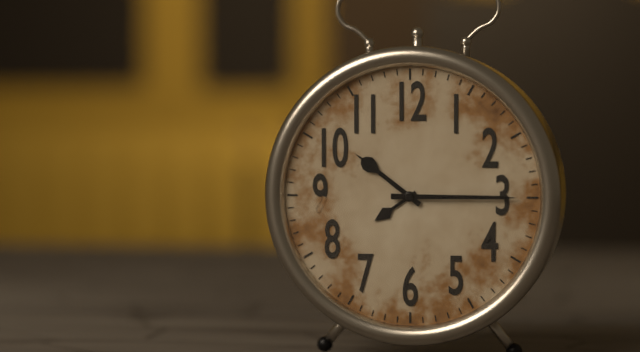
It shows 10,15
